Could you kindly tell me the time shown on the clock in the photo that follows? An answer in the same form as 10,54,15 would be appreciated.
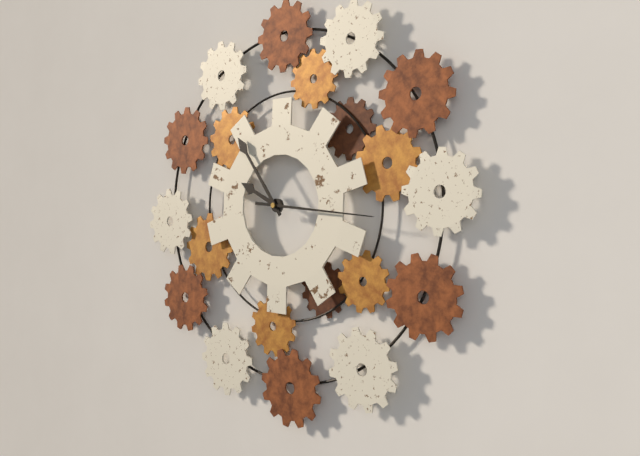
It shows 9,54,16
